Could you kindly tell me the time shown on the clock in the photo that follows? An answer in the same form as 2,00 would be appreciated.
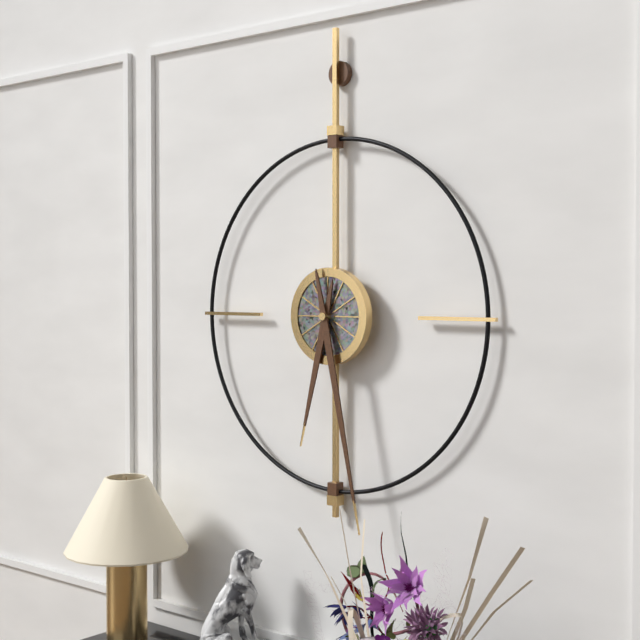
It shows 6,28
